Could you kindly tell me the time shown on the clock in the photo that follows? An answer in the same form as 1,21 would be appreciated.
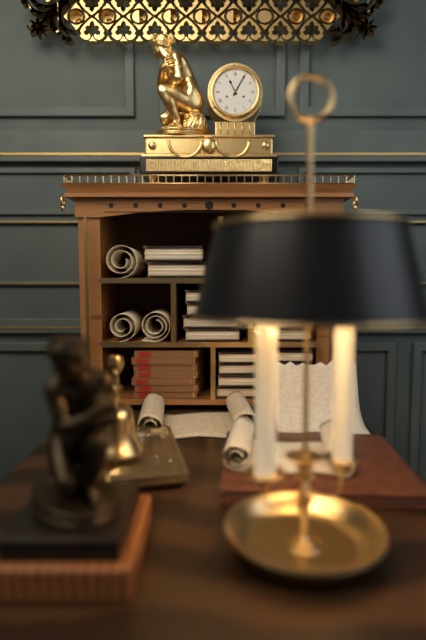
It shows 11,05
